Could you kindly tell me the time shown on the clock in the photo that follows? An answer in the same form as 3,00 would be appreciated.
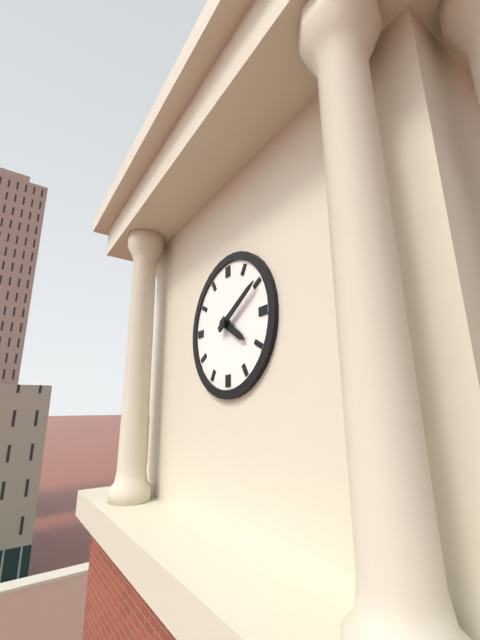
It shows 4,10
